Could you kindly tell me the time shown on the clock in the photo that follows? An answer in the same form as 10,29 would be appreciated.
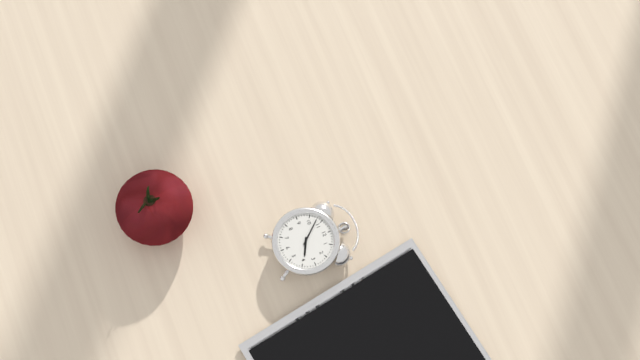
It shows 3,53
